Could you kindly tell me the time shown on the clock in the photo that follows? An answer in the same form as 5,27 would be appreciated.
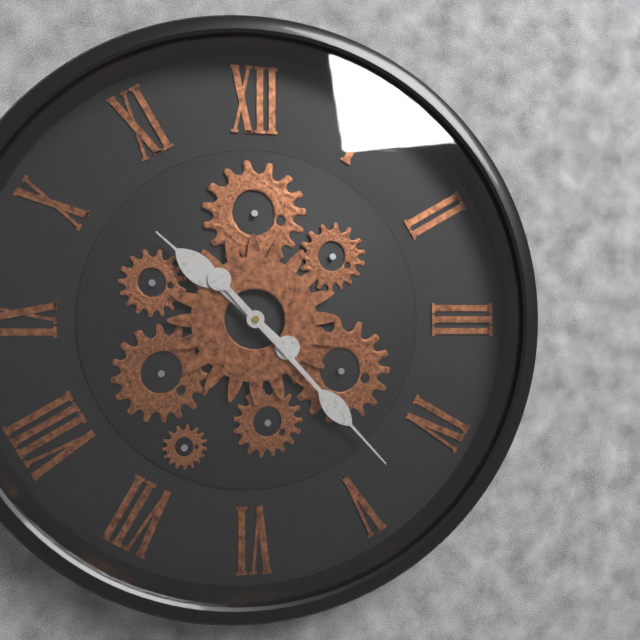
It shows 10,23
